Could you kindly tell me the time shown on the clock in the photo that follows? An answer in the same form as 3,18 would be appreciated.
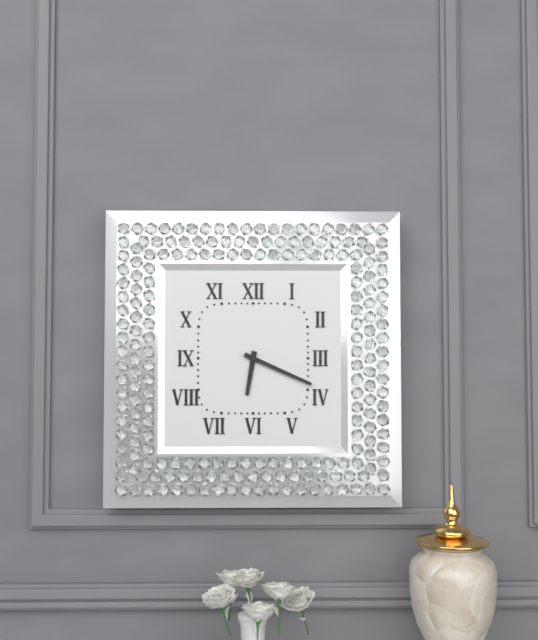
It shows 6,19
